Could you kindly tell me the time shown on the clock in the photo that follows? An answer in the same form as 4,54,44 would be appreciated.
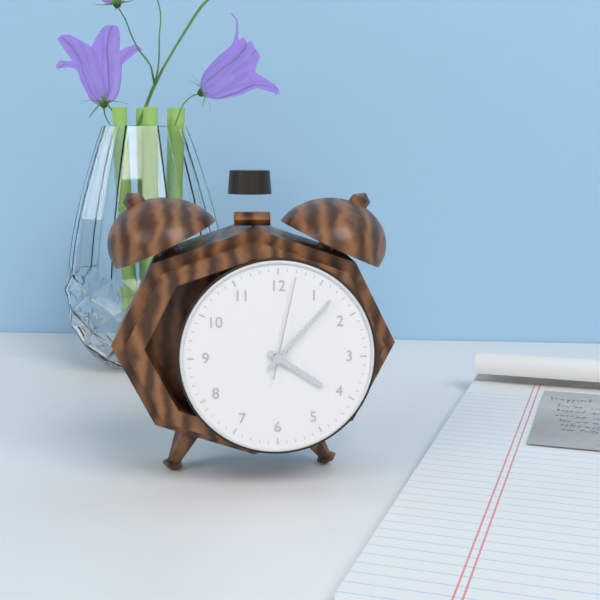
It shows 4,07,02
